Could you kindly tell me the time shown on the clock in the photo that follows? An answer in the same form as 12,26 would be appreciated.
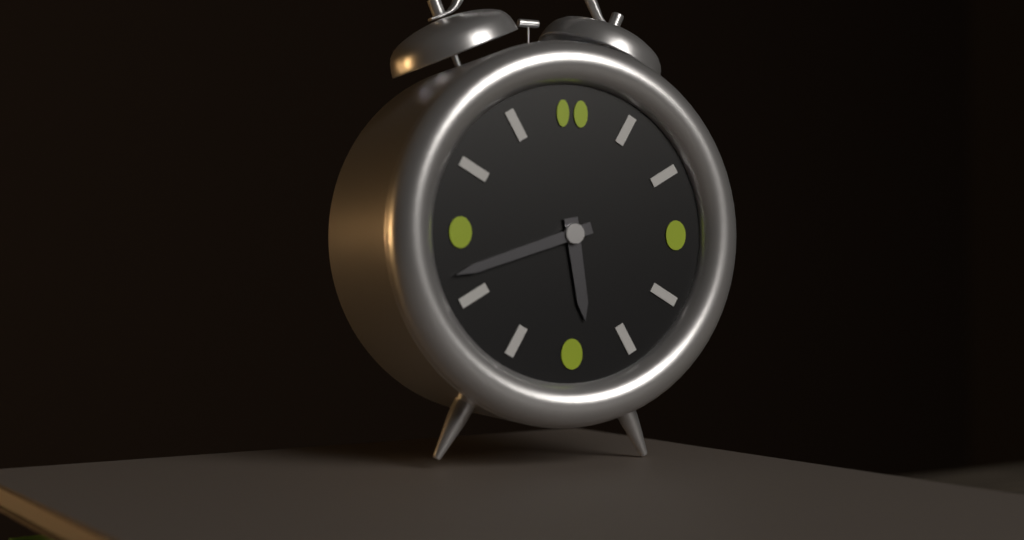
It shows 5,42
